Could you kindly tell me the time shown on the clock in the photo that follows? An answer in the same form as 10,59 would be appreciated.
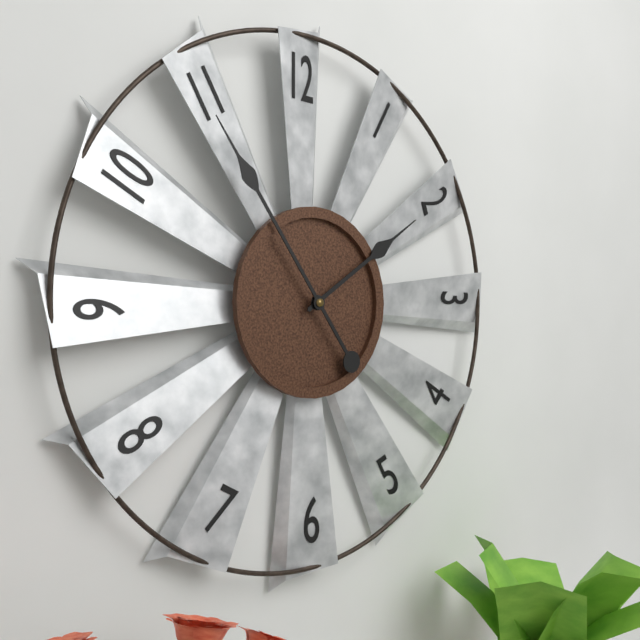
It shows 1,54
